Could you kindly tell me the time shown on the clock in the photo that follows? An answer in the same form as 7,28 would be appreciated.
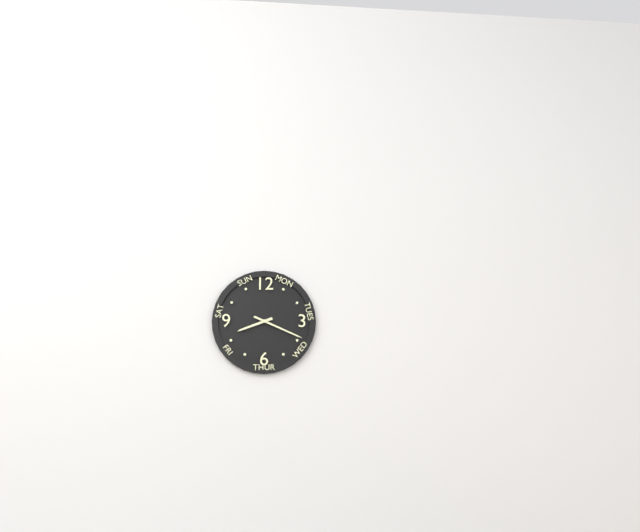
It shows 8,19
